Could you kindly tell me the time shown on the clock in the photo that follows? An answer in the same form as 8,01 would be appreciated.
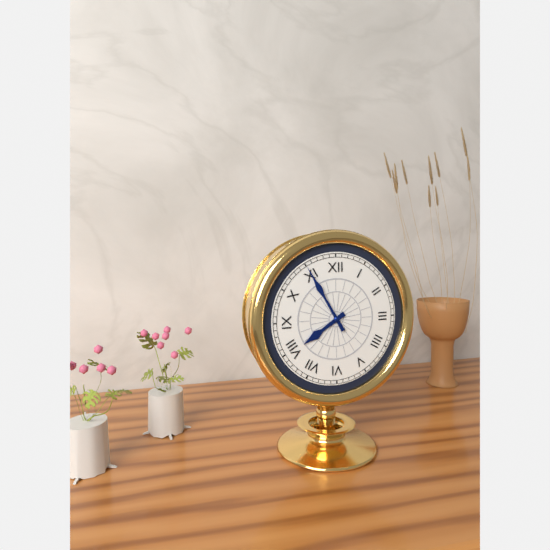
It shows 7,55
